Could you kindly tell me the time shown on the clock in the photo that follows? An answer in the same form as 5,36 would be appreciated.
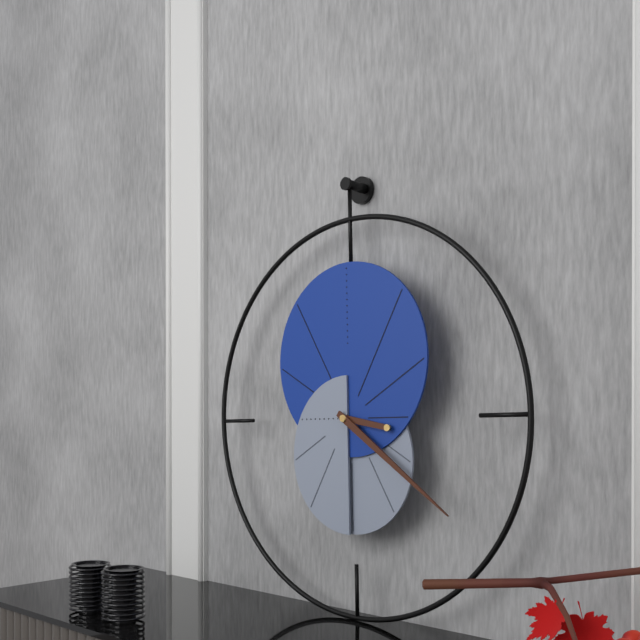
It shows 3,21
